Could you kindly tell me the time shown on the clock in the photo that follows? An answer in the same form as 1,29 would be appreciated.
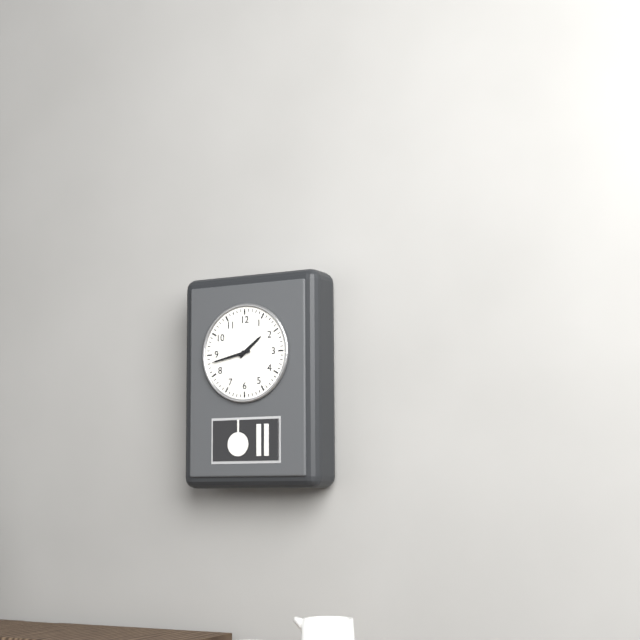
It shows 1,43
